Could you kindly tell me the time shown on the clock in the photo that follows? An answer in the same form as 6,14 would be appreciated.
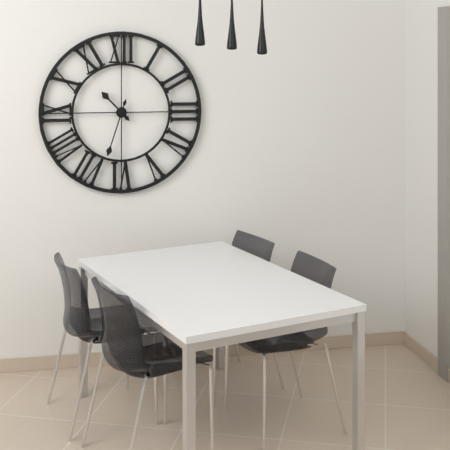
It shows 10,33
